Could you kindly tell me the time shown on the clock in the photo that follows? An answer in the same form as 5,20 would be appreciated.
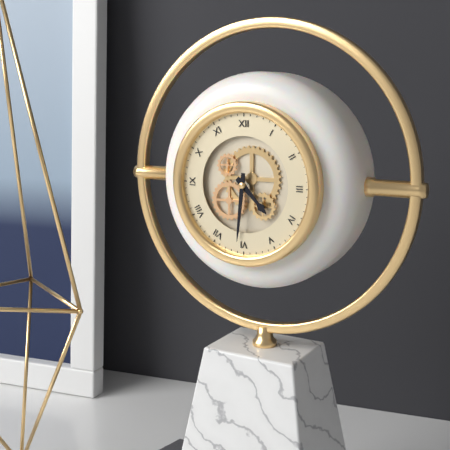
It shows 4,31
